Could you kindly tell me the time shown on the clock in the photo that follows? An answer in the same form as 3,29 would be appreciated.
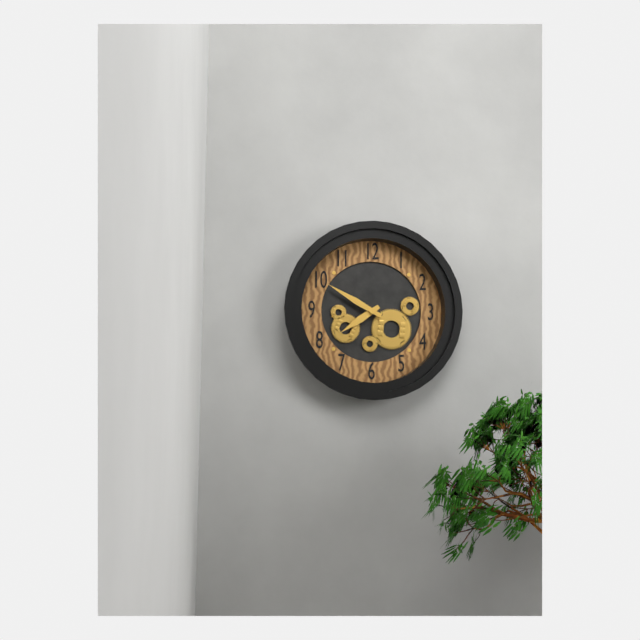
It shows 7,50
